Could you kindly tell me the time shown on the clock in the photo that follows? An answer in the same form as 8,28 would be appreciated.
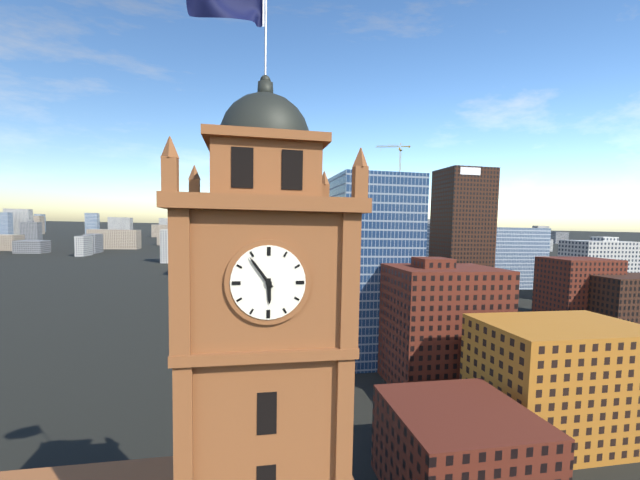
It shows 5,54
